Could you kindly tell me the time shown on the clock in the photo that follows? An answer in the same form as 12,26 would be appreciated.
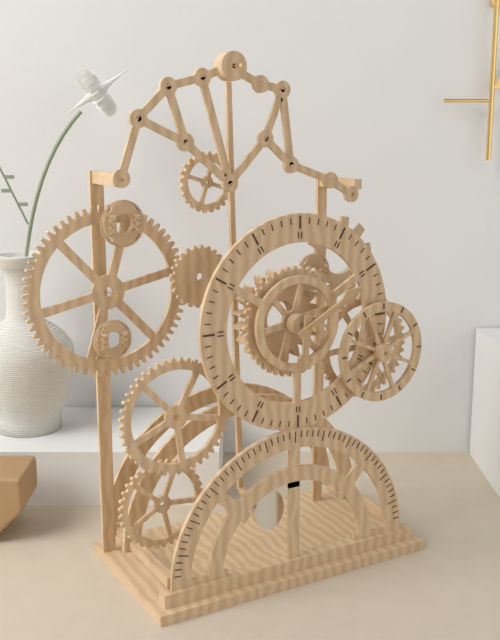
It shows 6,10
